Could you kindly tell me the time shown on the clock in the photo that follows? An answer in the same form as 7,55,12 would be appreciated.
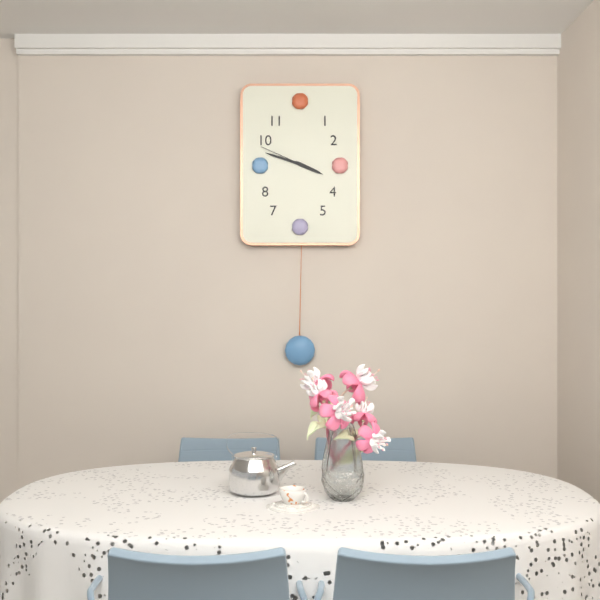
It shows 3,48,49
